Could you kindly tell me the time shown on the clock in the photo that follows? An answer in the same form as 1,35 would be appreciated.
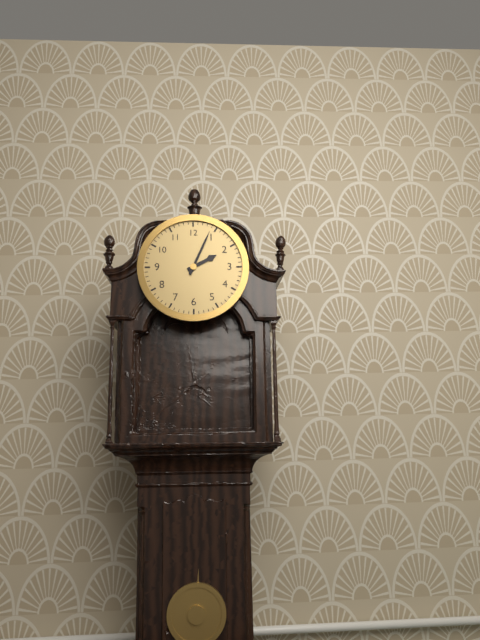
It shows 2,04
